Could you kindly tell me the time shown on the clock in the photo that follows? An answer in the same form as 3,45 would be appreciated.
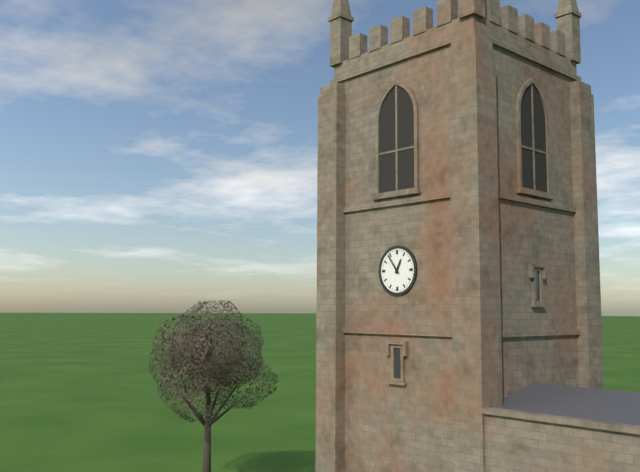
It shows 12,54
